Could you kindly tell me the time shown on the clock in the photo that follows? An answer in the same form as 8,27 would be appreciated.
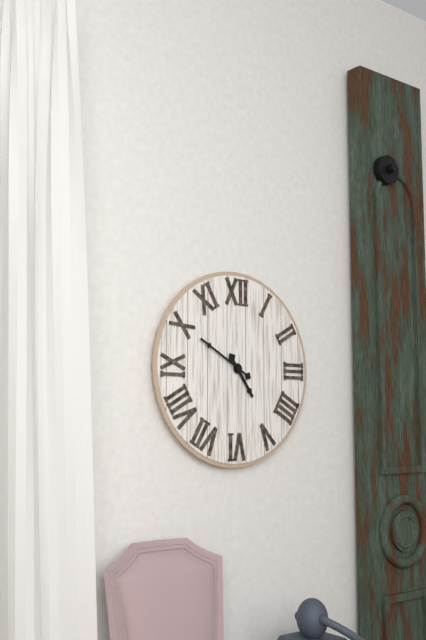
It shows 4,50
